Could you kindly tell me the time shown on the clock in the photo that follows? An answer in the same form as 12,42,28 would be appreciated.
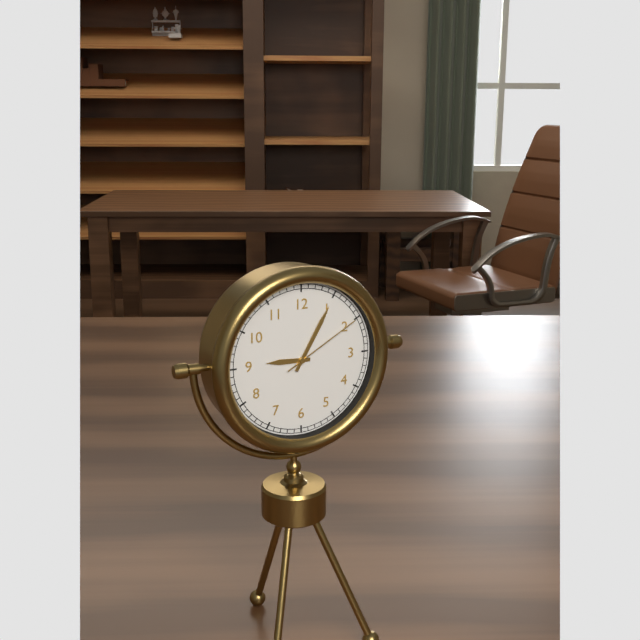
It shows 9,05,10
